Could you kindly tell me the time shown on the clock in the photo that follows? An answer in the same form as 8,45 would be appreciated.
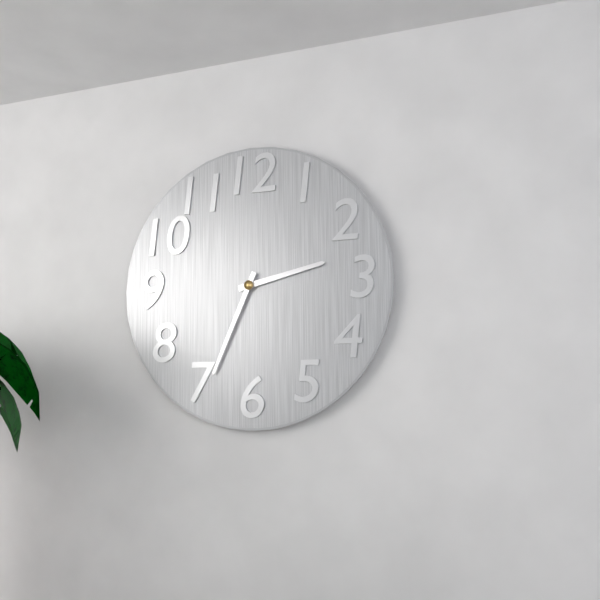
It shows 2,34
